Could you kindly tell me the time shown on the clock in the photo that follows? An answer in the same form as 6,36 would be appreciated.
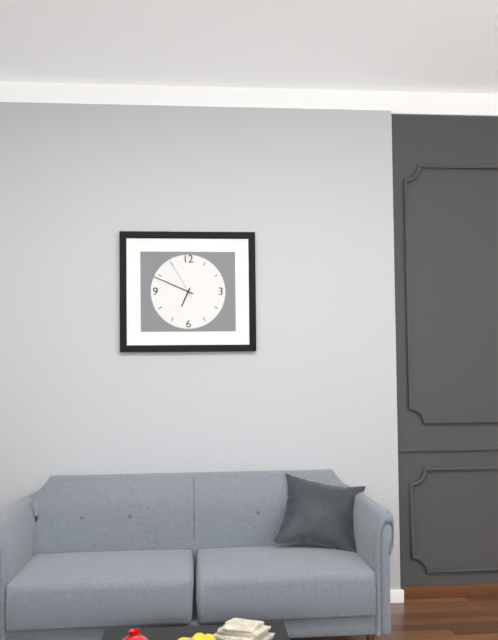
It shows 6,49
